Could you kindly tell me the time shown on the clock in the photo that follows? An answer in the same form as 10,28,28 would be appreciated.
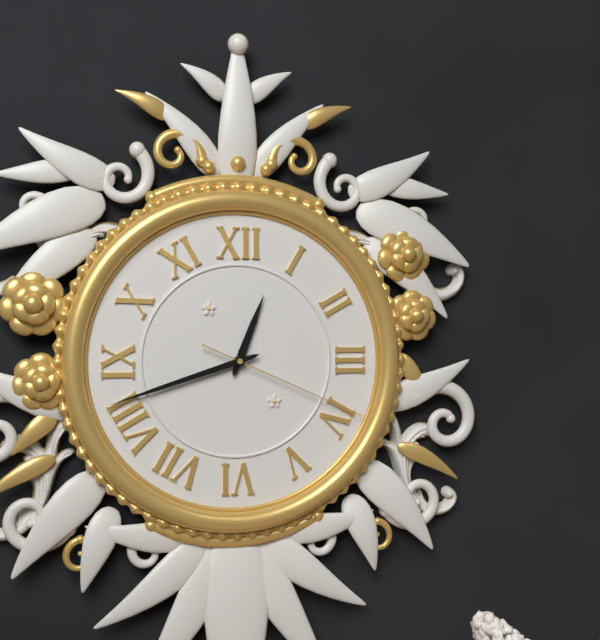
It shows 12,42,19
